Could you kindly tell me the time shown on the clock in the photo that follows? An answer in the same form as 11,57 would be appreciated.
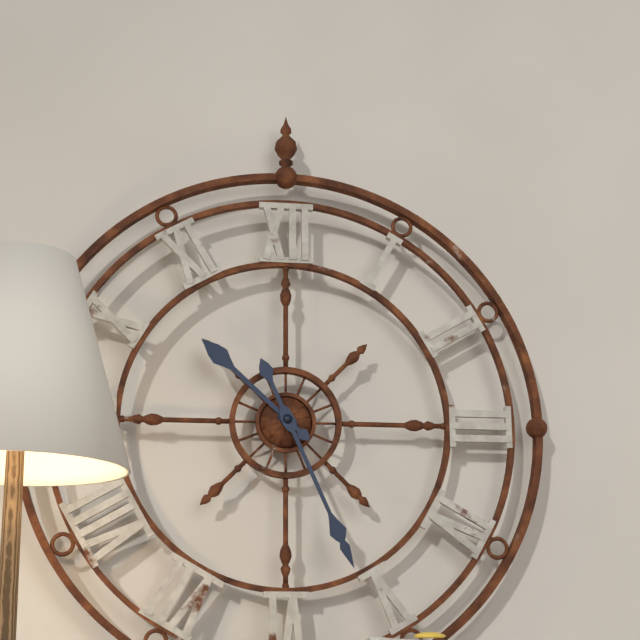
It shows 10,26
